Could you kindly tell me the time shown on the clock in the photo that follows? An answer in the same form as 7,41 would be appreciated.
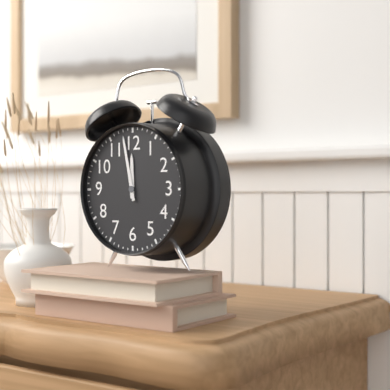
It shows 11,58
